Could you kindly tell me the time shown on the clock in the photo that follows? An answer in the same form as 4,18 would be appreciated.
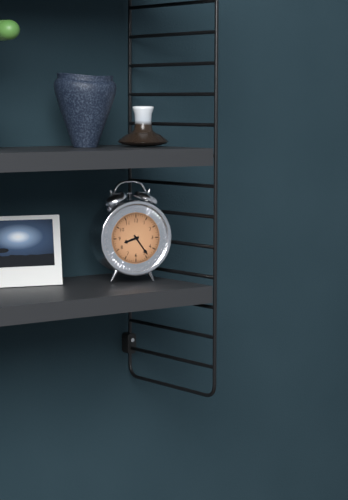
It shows 8,24
